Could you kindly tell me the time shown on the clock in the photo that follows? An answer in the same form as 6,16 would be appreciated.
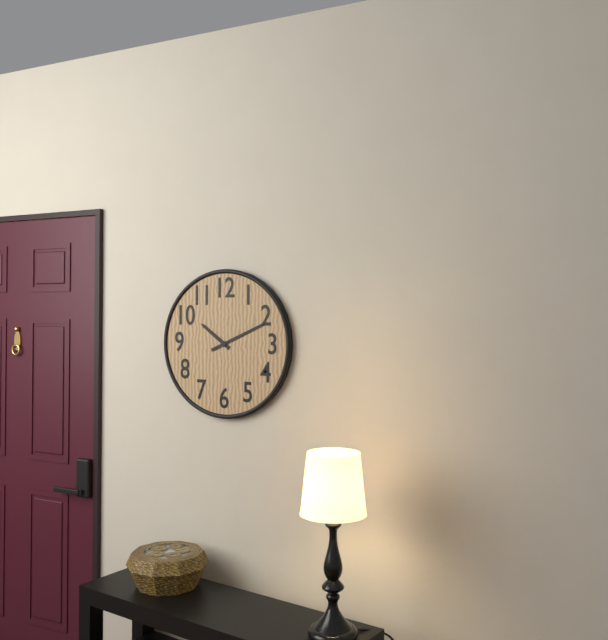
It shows 10,11
